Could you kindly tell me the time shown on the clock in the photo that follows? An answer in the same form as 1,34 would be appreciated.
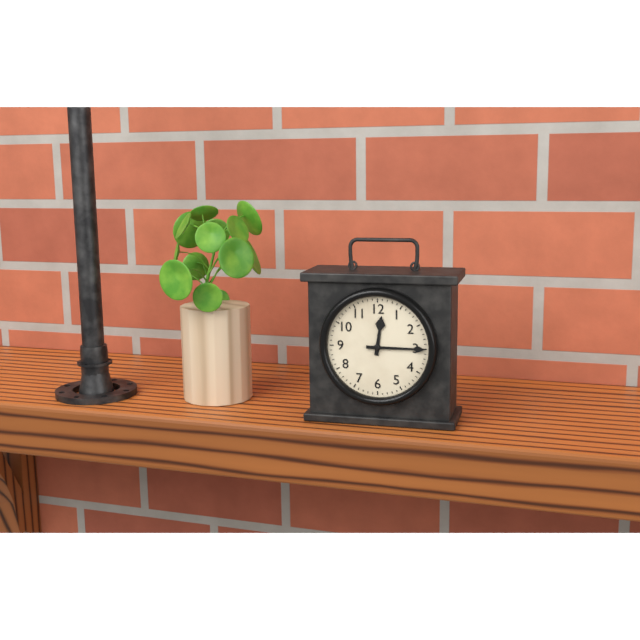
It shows 12,15
